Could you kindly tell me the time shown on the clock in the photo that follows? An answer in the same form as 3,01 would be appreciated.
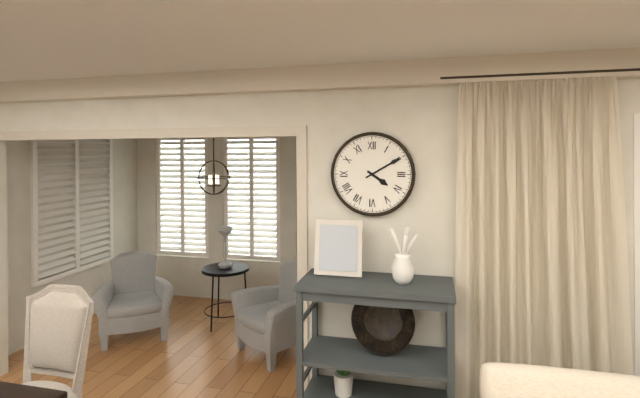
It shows 4,10
